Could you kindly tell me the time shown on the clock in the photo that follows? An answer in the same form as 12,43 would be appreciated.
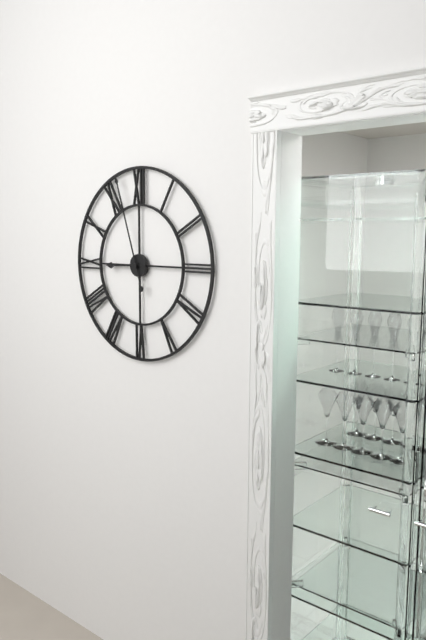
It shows 8,57
